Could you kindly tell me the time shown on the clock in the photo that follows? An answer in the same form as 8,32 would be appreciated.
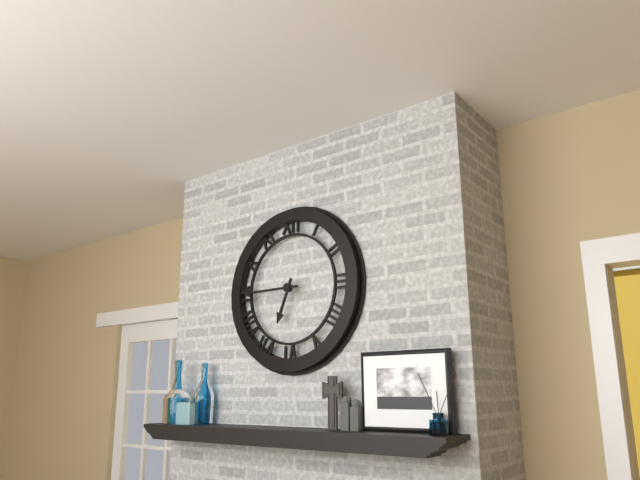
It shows 6,45
